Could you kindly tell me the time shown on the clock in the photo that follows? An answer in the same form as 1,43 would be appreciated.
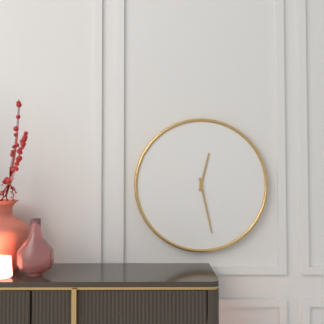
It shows 12,28
